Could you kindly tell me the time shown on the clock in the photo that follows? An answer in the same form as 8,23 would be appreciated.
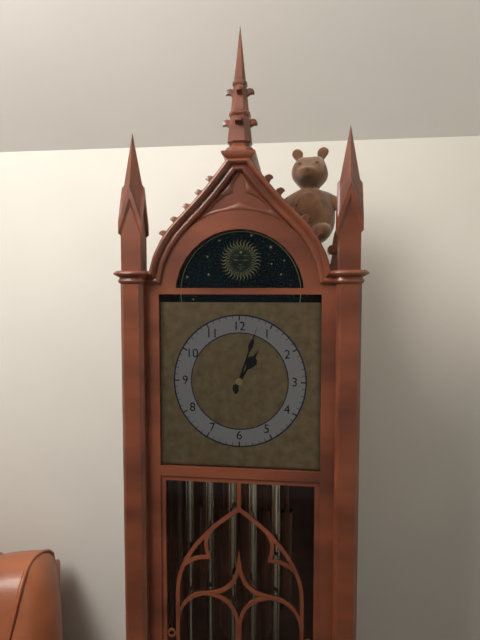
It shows 1,03
